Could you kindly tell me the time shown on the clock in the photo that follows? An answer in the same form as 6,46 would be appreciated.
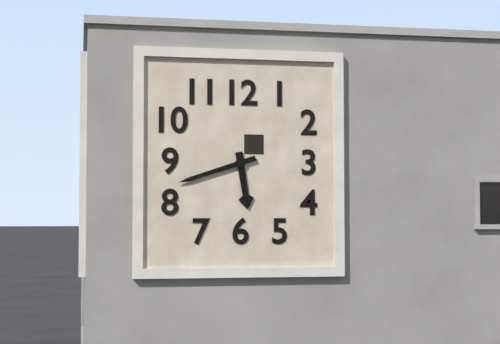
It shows 5,42
